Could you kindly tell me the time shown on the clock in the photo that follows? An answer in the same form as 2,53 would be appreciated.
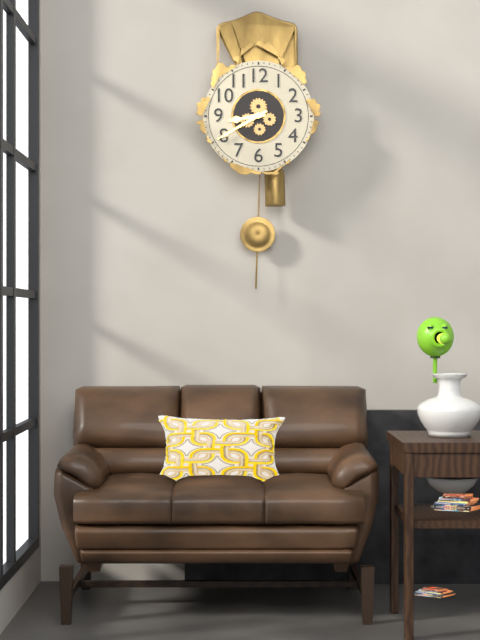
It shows 8,40
